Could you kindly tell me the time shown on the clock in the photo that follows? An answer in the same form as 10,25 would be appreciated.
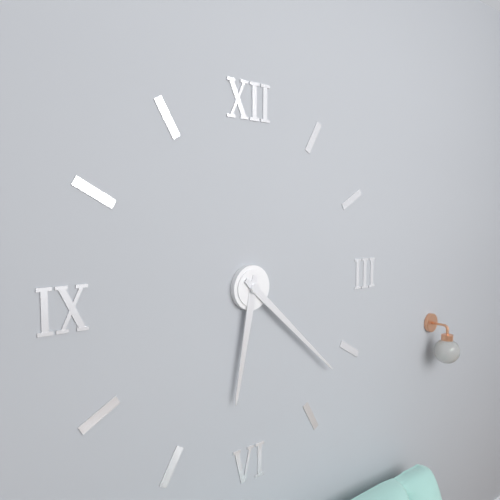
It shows 6,22
